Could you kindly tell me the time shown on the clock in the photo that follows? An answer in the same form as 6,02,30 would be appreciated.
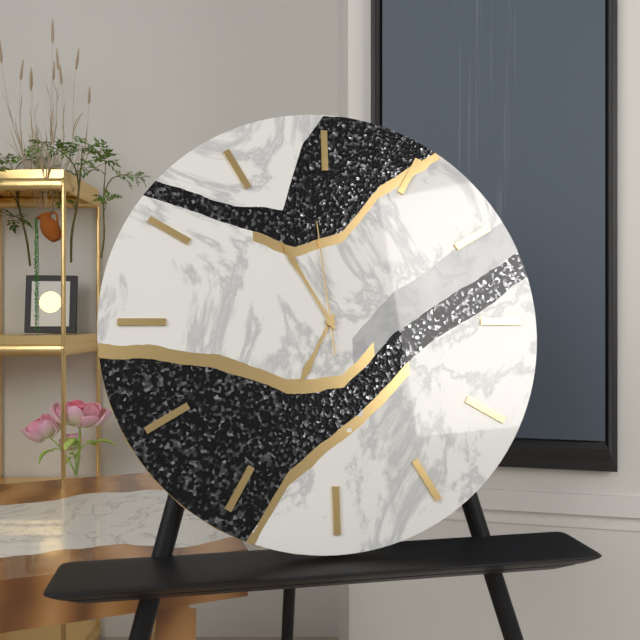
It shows 6,55,59
